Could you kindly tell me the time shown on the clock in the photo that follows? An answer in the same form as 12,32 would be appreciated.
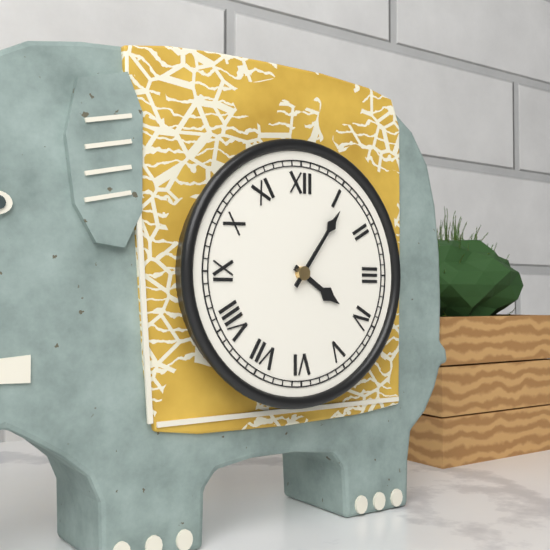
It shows 4,06
